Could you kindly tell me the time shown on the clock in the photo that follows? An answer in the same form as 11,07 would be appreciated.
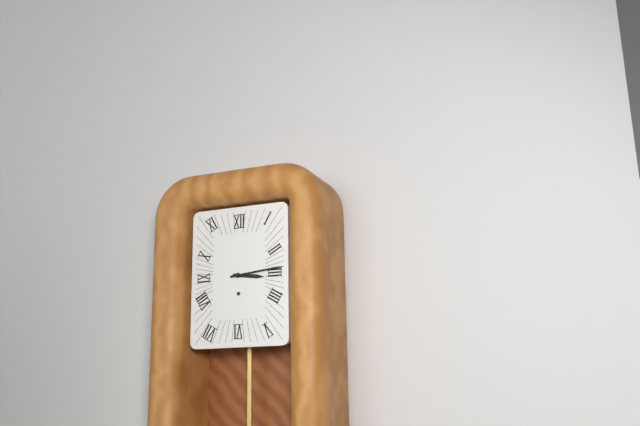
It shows 3,14
